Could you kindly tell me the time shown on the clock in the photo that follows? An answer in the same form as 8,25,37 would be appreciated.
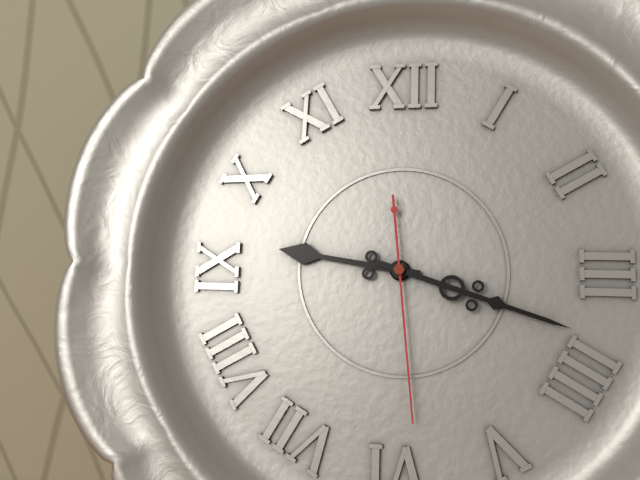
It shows 9,18,29
